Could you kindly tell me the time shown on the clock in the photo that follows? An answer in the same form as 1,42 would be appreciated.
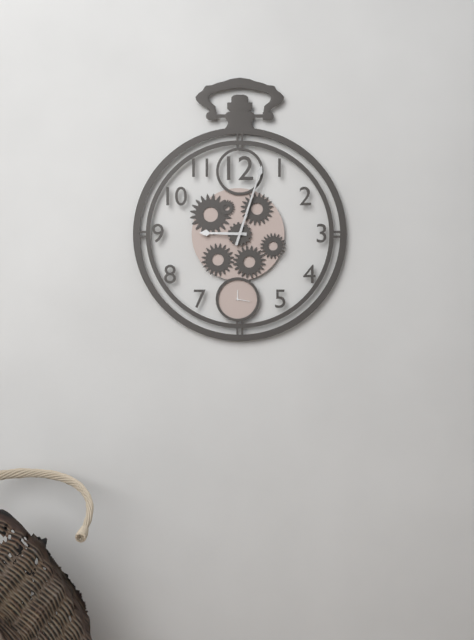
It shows 9,03
